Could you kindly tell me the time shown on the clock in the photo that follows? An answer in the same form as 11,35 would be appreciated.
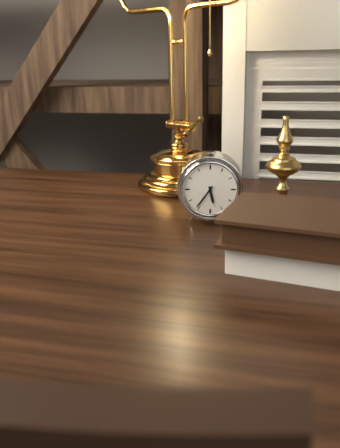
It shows 5,36
